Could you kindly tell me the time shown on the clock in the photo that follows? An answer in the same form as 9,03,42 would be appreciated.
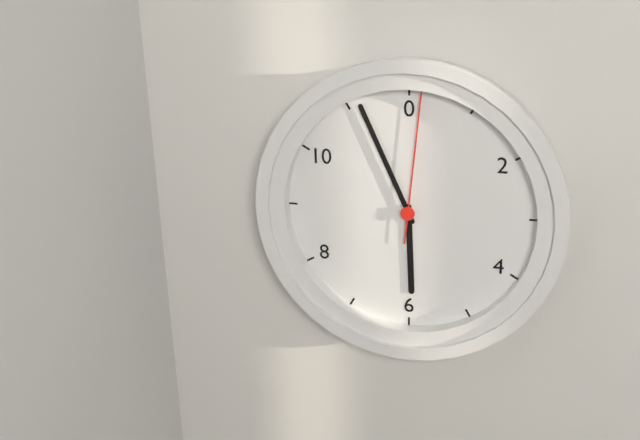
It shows 5,56,01
